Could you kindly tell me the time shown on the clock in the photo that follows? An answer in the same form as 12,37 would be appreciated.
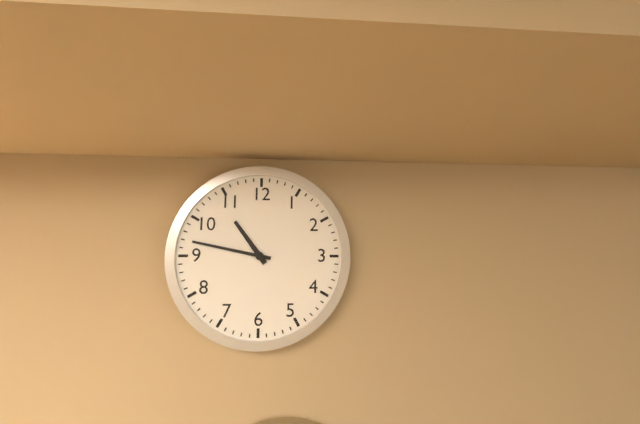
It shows 10,47
